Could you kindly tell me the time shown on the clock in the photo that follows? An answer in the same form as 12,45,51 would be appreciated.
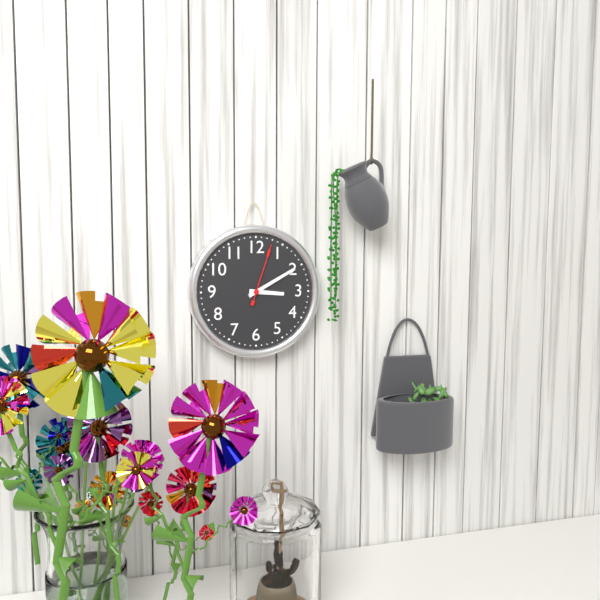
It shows 3,10,03
